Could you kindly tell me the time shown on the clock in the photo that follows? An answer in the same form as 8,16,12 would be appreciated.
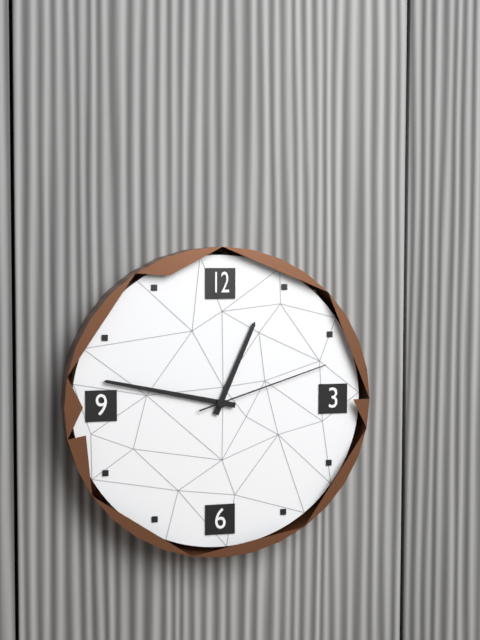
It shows 12,47,12
